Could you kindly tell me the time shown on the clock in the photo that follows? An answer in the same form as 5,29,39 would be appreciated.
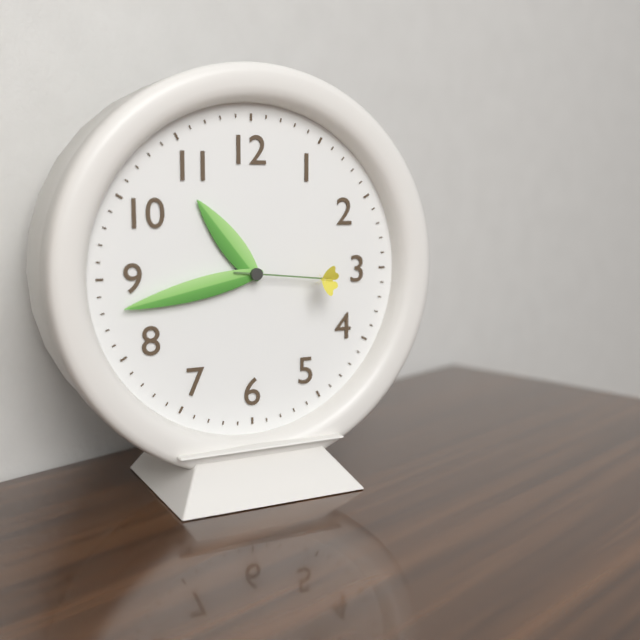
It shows 10,43,16
